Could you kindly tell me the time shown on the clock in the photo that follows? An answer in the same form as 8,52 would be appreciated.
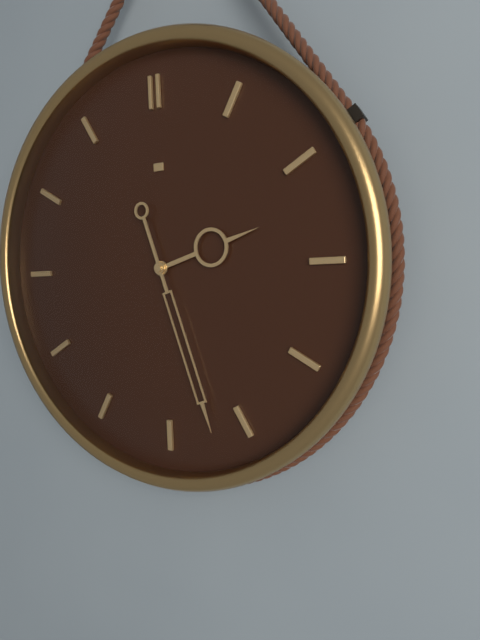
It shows 2,27
